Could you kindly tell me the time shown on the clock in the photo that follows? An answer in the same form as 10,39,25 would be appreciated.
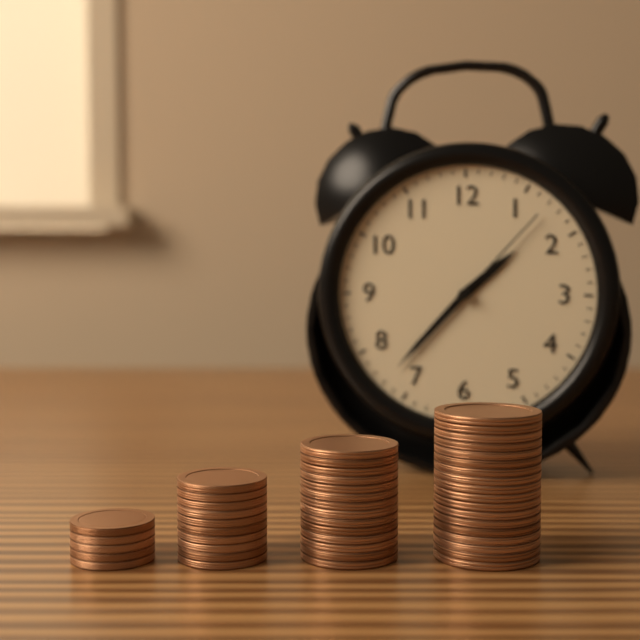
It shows 1,37,07
